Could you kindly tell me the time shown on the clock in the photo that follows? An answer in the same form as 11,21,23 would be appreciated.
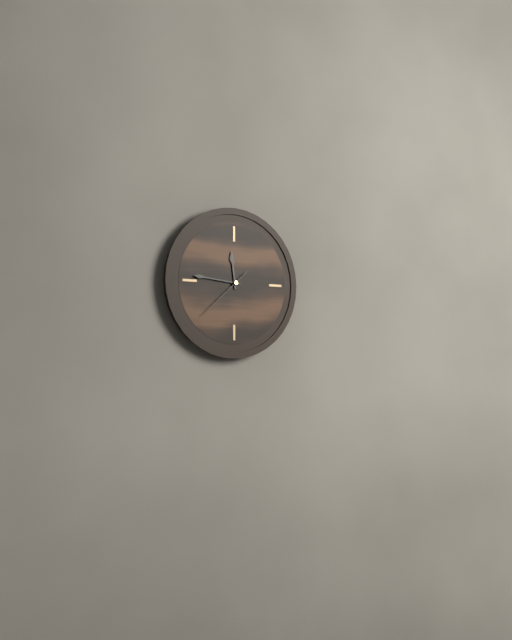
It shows 11,46,38
